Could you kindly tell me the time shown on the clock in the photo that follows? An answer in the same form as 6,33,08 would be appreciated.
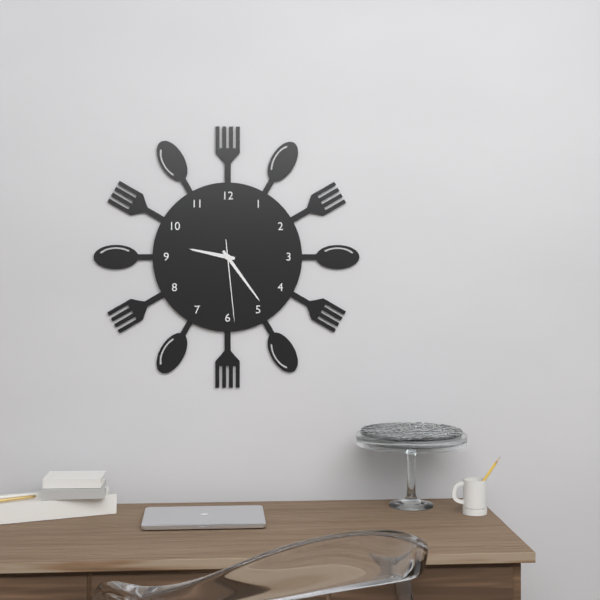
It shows 9,24,29
